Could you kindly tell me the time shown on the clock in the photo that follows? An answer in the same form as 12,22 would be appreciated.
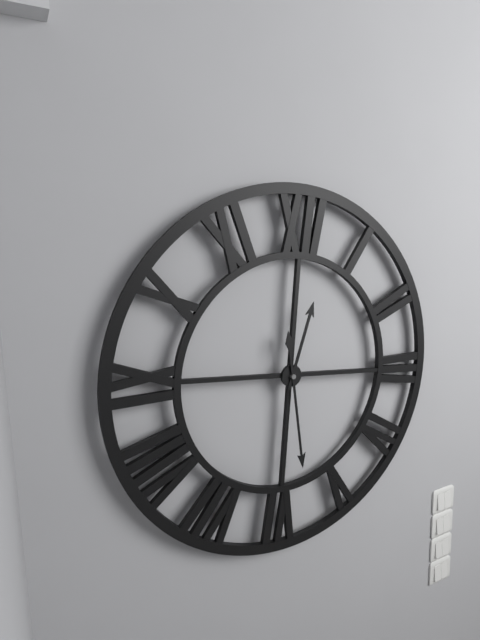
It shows 12,28
